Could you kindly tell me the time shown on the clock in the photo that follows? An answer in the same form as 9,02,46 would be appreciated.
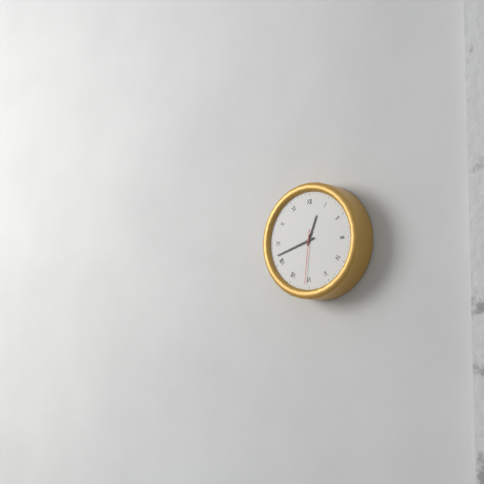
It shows 12,42,31
